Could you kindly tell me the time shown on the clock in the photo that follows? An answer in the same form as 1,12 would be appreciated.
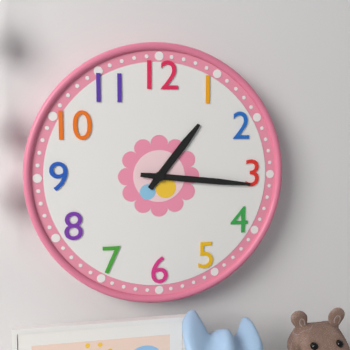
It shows 1,16
